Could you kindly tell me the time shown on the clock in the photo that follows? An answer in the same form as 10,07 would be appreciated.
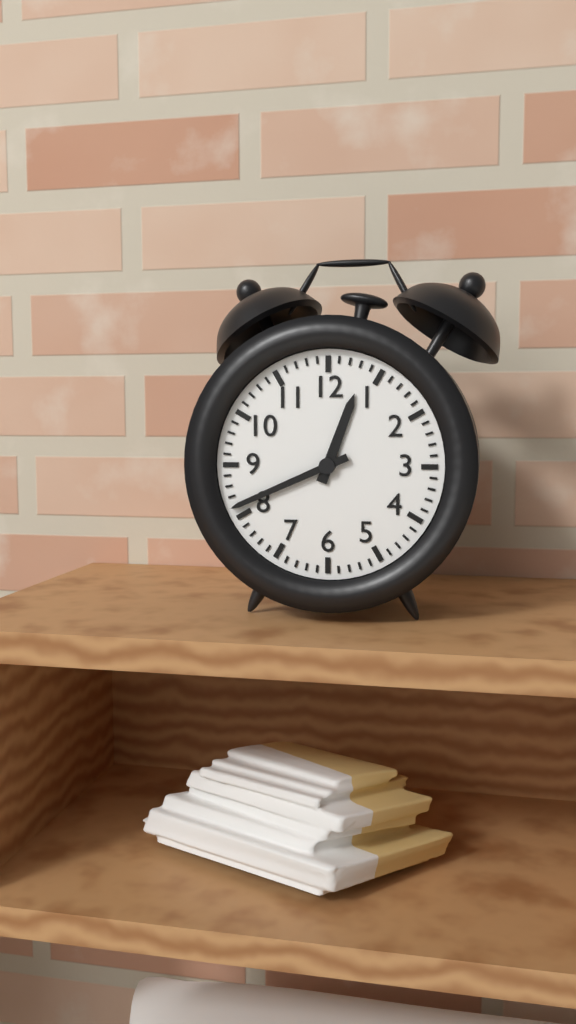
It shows 12,41
